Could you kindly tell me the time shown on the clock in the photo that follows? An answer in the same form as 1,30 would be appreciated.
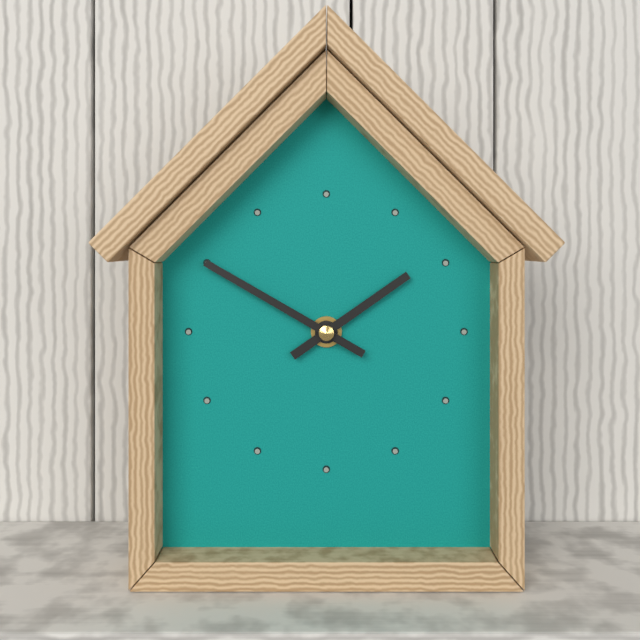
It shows 1,50
